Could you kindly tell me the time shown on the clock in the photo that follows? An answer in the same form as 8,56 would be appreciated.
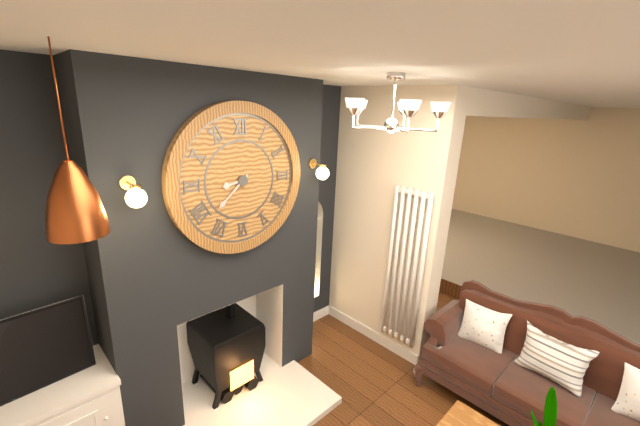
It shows 8,38
